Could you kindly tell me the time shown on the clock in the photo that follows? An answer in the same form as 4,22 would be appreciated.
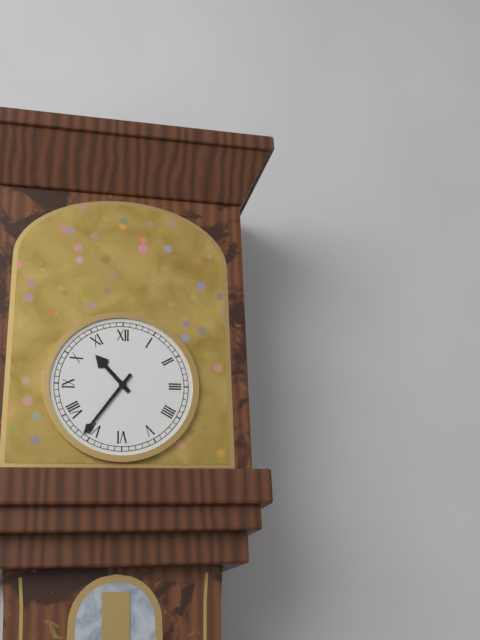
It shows 10,36
